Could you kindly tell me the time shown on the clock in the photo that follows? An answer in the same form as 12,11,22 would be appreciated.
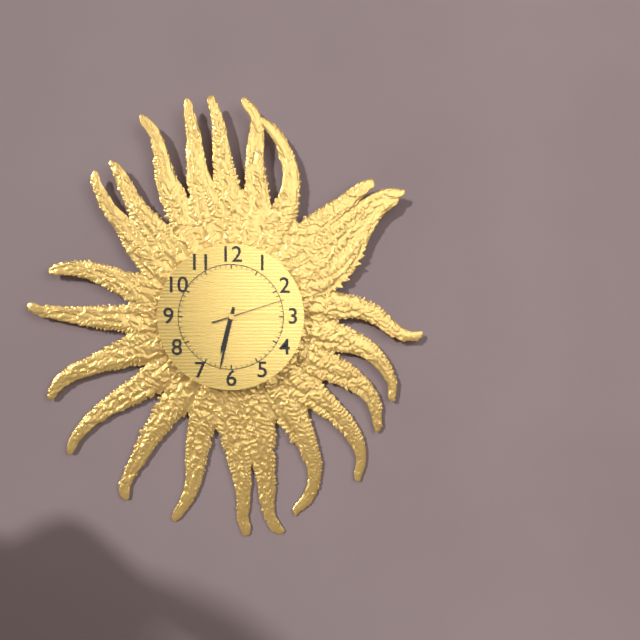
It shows 6,32,12
